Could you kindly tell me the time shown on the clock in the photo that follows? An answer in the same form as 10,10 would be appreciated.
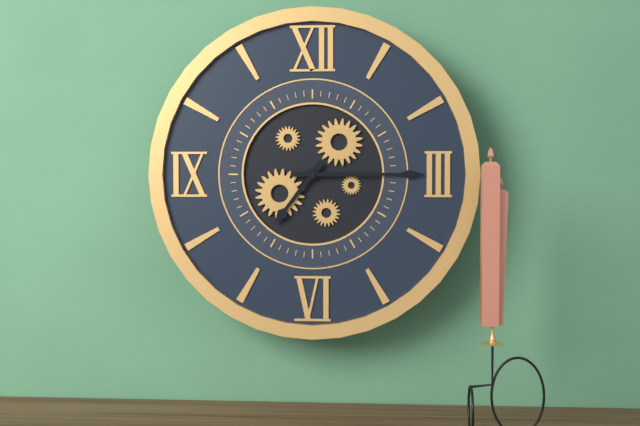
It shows 7,15
